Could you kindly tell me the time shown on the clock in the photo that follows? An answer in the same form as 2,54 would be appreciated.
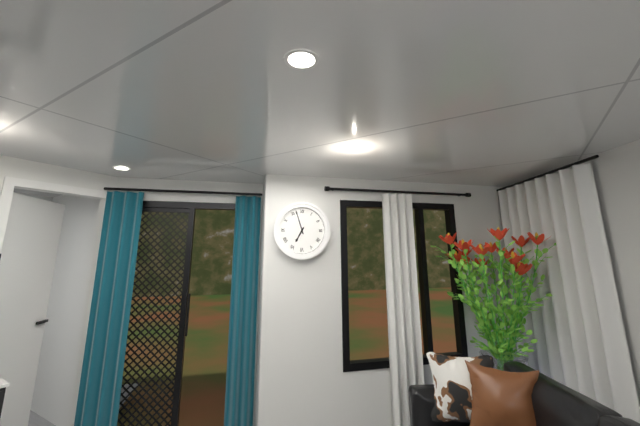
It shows 6,57
